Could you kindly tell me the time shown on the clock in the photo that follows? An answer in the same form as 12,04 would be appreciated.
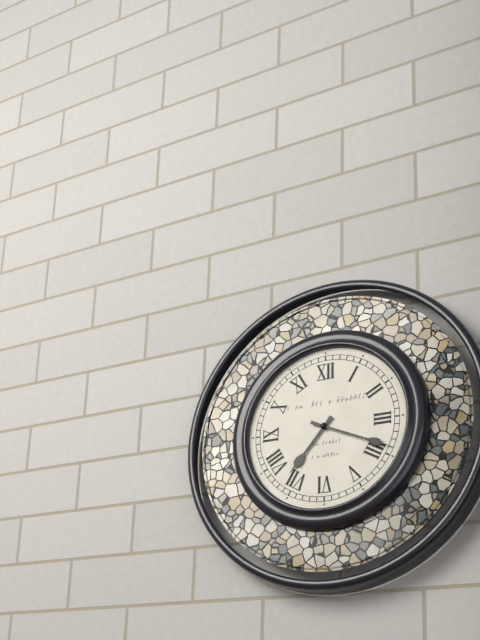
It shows 7,19
